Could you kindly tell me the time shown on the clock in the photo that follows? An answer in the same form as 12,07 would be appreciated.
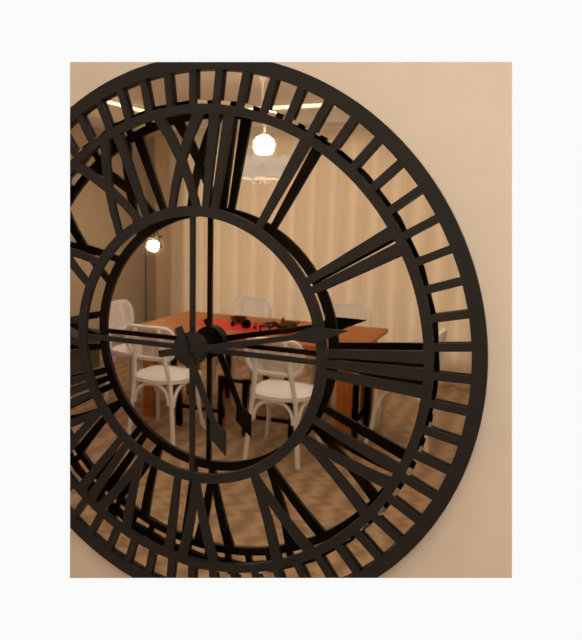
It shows 5,13
